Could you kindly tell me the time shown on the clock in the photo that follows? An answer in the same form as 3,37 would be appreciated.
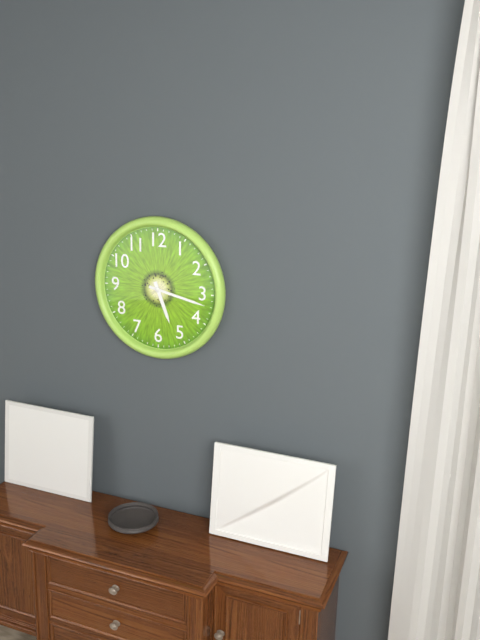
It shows 5,17
